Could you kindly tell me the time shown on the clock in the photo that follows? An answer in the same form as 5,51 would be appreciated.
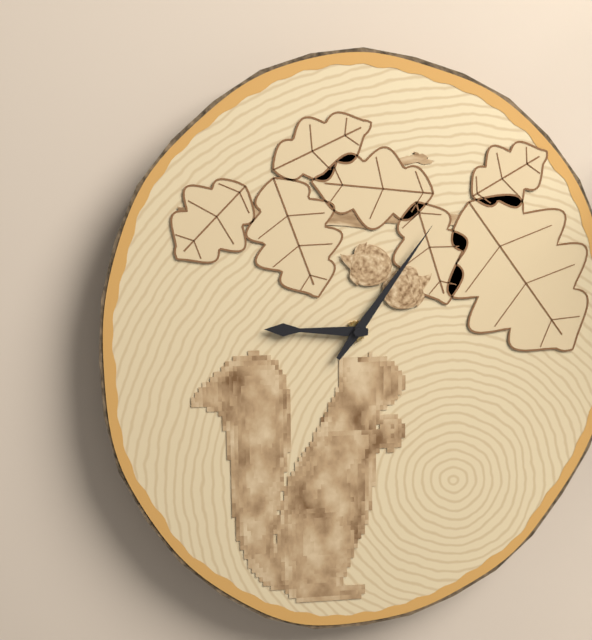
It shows 9,06
